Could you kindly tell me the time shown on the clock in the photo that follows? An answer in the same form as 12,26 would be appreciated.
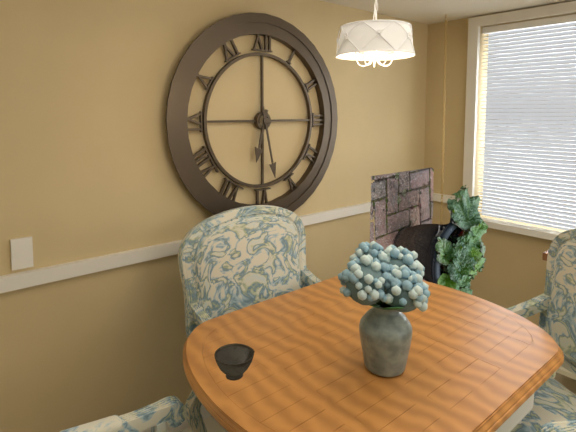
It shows 6,28
